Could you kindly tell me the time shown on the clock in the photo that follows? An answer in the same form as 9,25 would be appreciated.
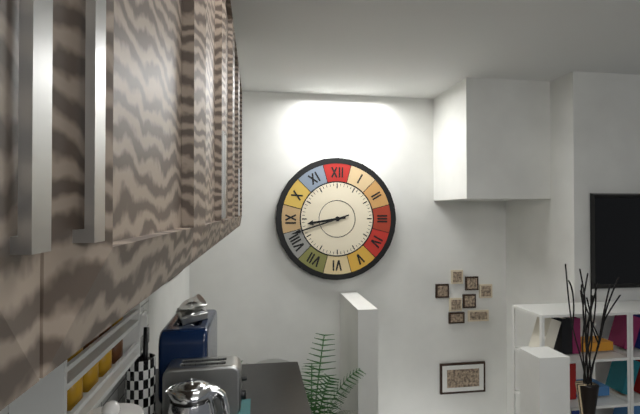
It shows 8,42
